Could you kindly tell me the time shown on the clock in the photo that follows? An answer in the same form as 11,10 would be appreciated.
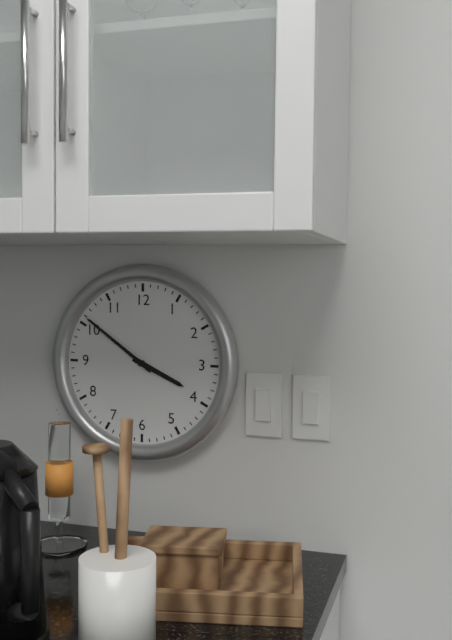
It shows 3,51
